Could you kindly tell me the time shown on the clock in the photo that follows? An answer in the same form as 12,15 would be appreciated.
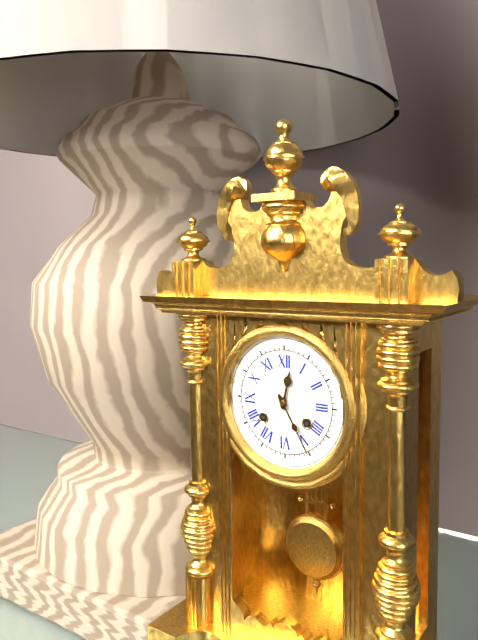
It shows 12,25
